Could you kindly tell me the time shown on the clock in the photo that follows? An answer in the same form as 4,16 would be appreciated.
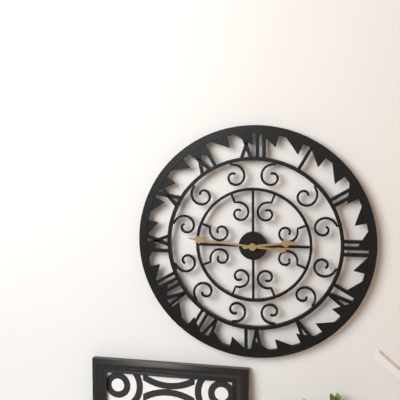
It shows 2,46
